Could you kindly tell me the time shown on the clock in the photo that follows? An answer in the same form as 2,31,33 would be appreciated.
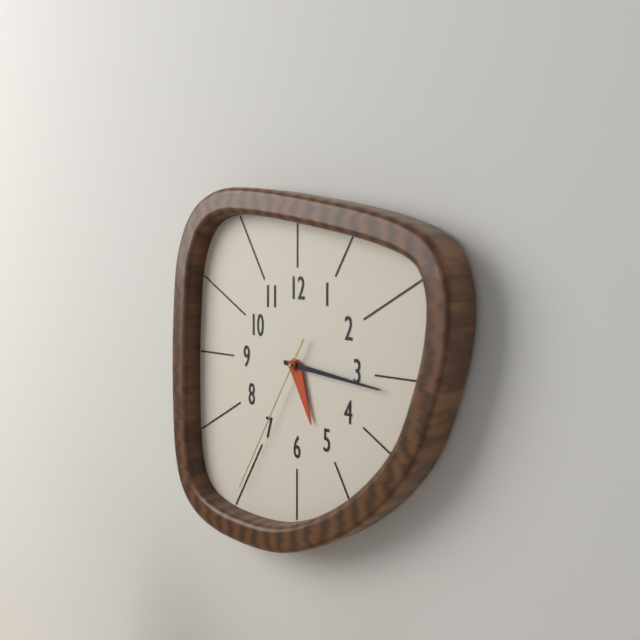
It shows 5,16,35
